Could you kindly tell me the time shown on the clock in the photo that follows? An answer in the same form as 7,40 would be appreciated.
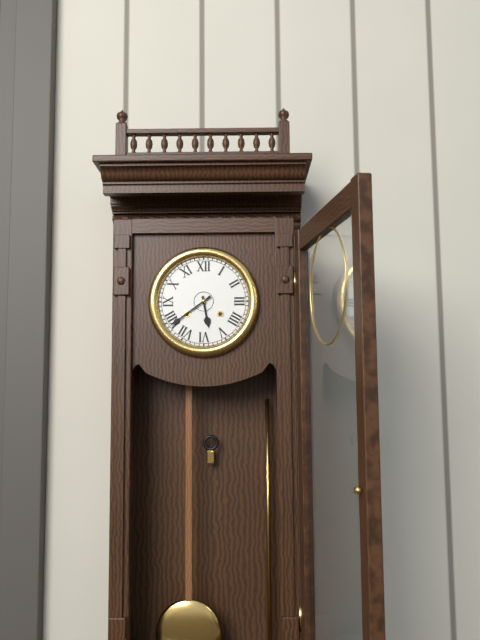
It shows 5,39
